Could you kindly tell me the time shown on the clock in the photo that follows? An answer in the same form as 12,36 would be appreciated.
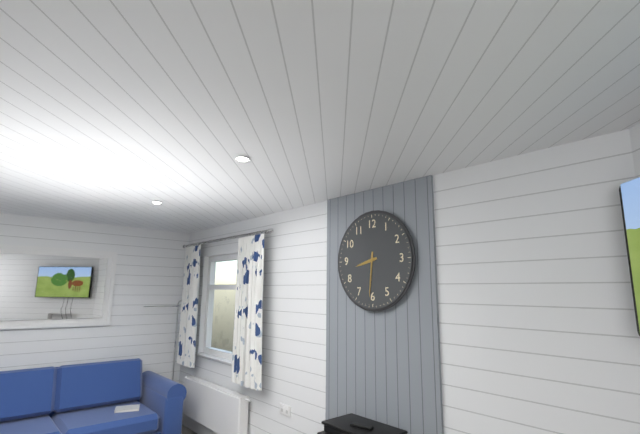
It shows 8,31
